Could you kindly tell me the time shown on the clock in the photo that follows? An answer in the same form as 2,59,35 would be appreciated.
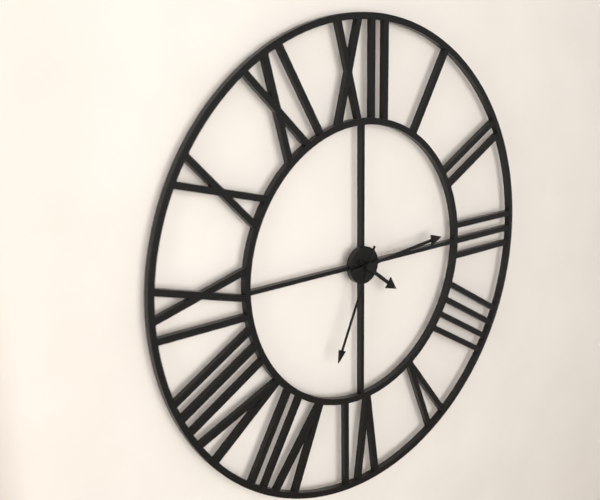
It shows 4,14,34
